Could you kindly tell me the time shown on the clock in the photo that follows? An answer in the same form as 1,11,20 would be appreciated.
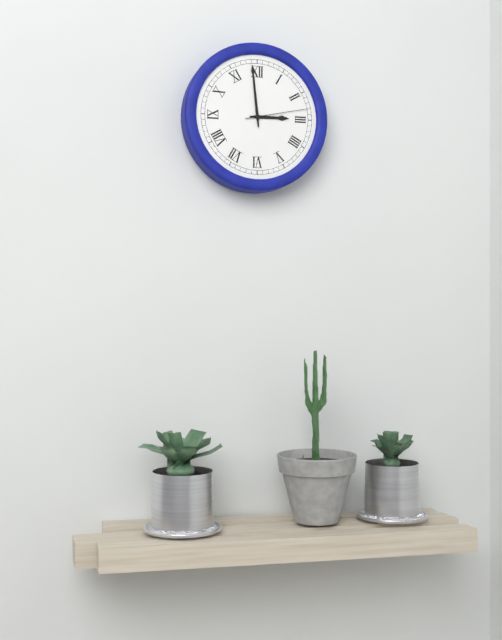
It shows 2,59,13
